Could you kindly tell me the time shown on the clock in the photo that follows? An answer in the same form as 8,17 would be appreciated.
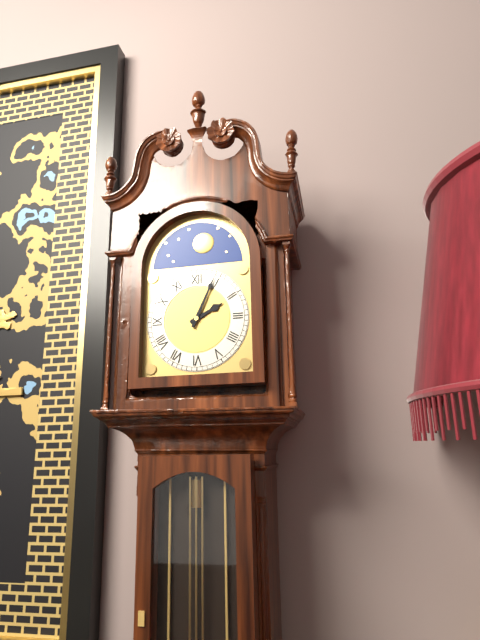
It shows 2,04
